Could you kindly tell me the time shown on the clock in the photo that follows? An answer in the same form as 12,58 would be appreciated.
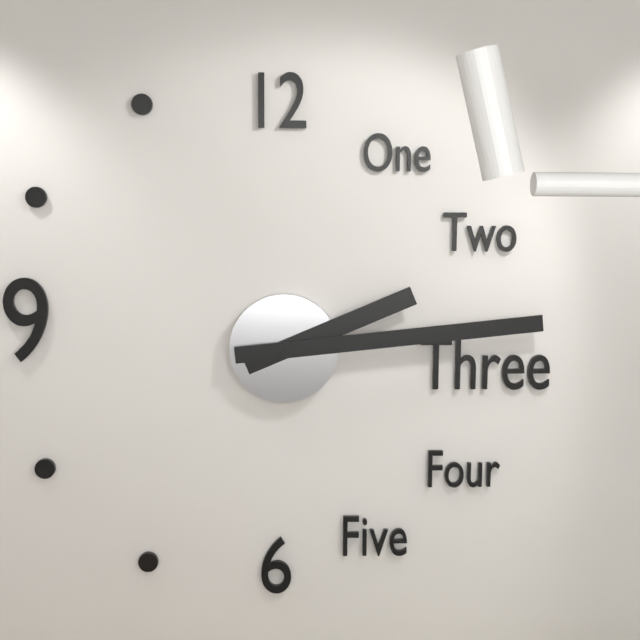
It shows 2,14
